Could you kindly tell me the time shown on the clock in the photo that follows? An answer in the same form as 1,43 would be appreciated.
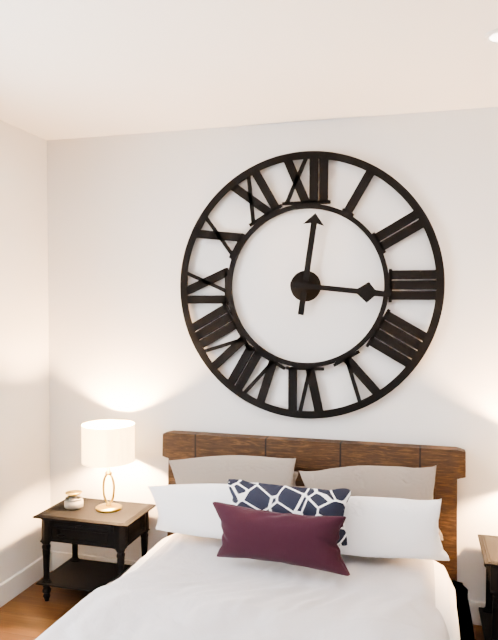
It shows 12,16
